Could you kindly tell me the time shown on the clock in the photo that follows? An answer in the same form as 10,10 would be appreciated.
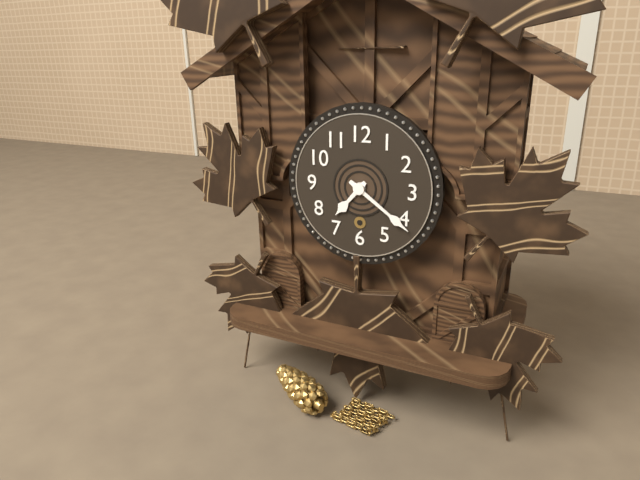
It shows 7,21
